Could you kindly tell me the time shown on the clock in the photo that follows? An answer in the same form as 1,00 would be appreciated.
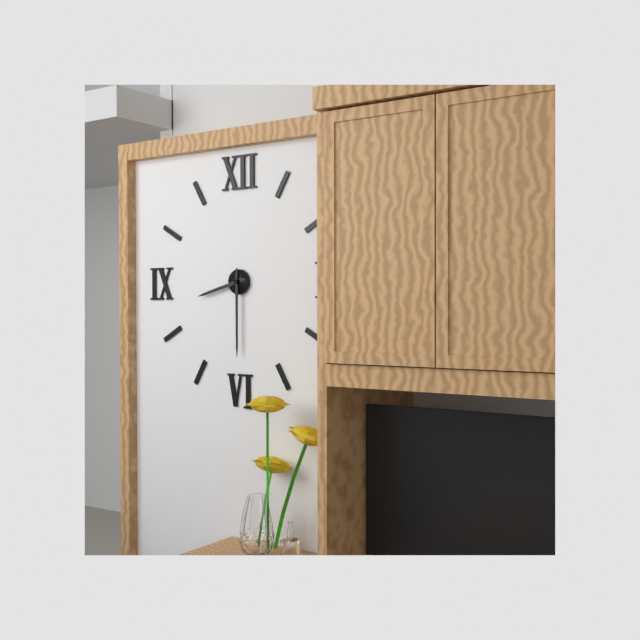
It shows 8,30
